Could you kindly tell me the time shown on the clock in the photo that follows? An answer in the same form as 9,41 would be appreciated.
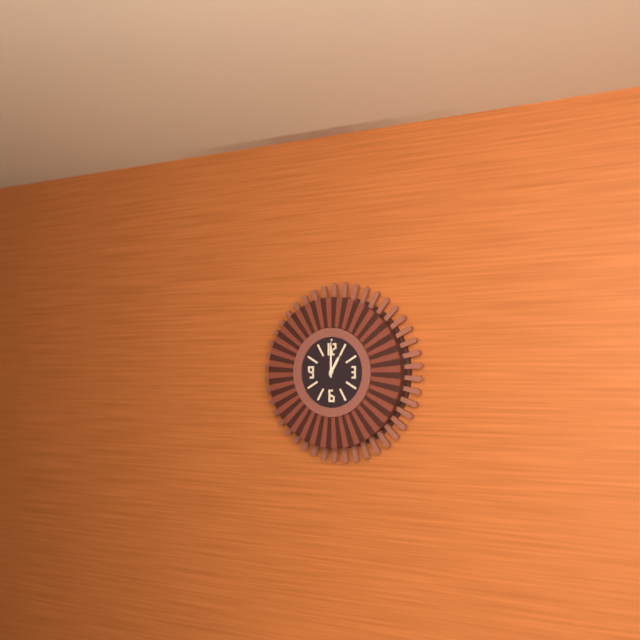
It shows 1,00
